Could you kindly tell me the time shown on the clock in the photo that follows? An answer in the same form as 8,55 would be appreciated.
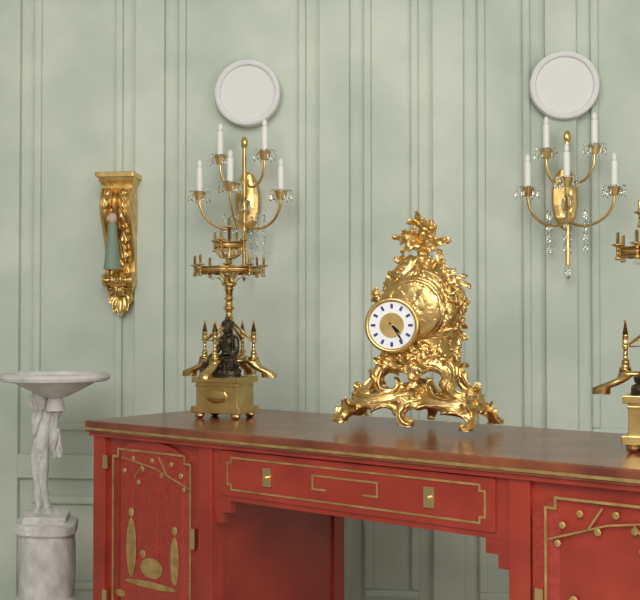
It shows 4,24
